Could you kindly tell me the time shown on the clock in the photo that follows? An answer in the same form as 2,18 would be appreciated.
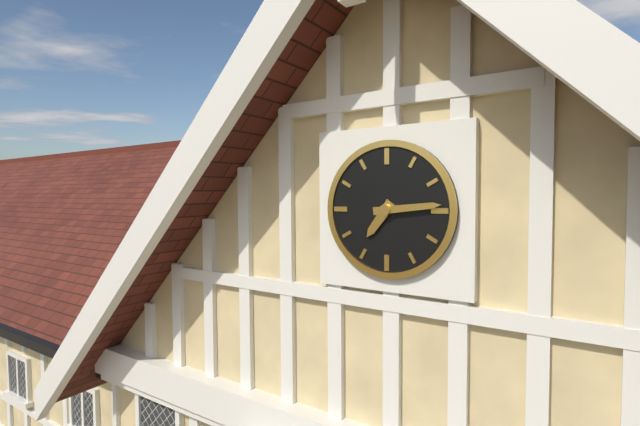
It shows 7,14
